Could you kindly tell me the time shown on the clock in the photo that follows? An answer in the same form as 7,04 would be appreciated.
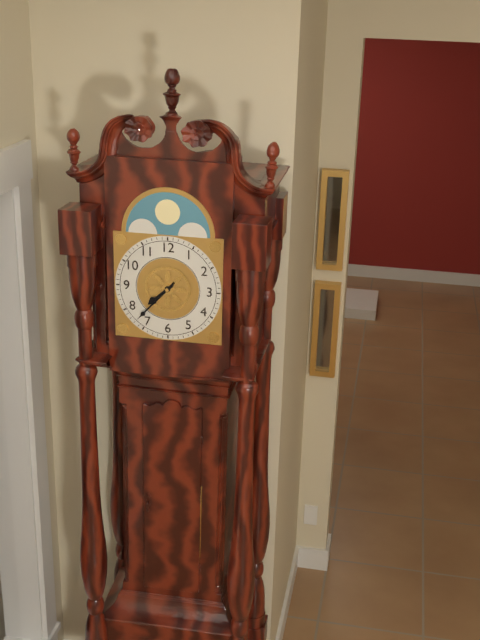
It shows 7,37
